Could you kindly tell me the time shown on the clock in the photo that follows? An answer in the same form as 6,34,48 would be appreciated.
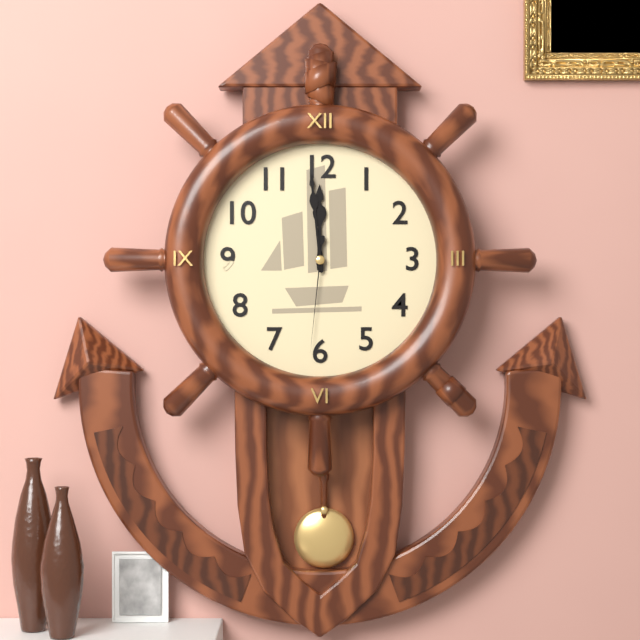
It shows 11,59,31
